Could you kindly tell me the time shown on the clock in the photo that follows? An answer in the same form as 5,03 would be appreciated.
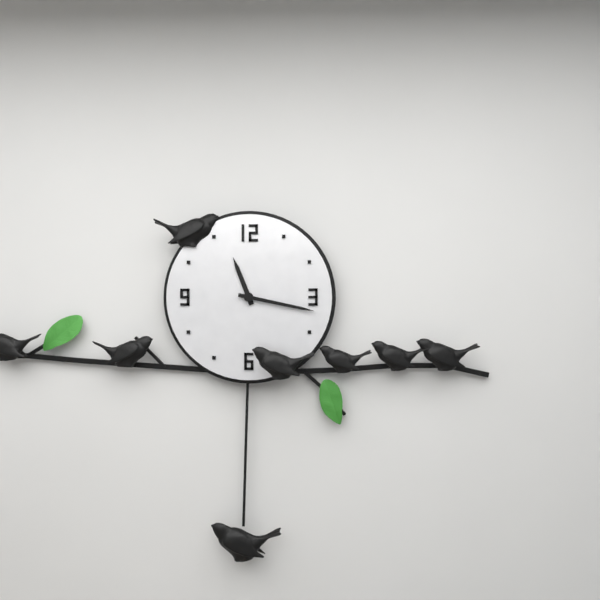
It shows 11,17
